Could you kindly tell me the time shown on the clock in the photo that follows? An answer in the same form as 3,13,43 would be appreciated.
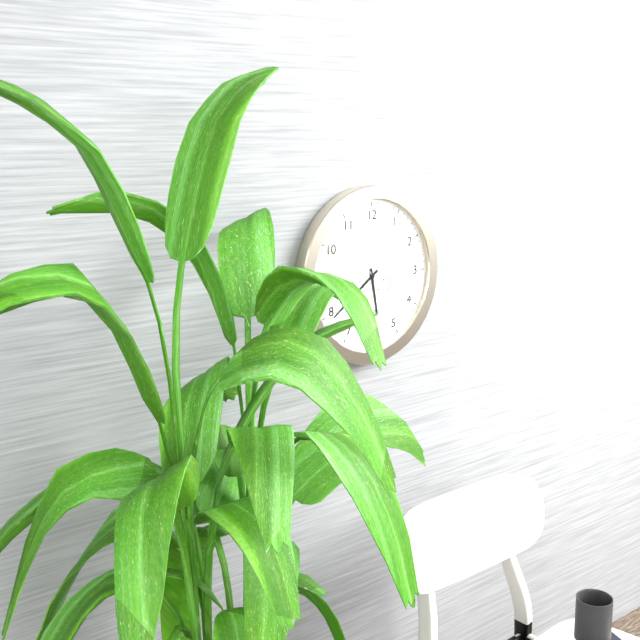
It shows 5,39,24
